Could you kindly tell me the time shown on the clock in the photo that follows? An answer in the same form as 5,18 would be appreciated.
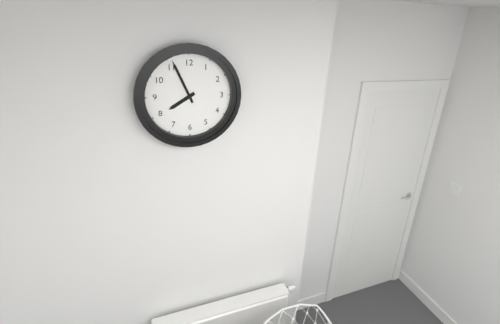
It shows 7,56
